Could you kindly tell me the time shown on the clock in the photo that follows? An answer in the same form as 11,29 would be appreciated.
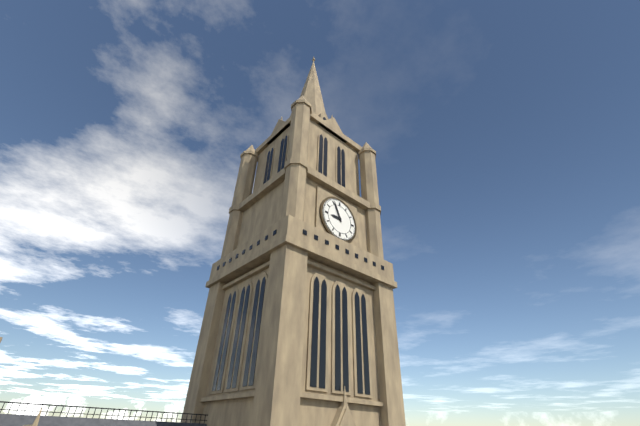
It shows 8,56
